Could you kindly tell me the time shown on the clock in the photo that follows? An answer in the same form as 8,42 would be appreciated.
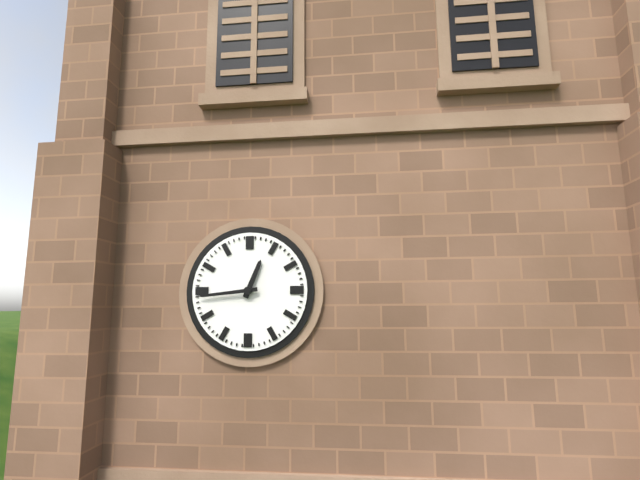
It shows 12,44
